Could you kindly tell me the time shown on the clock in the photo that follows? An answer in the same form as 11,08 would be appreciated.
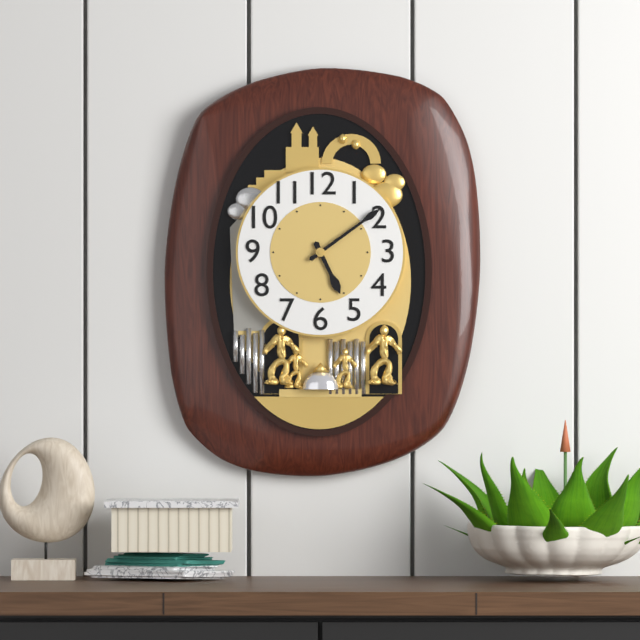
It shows 5,09
